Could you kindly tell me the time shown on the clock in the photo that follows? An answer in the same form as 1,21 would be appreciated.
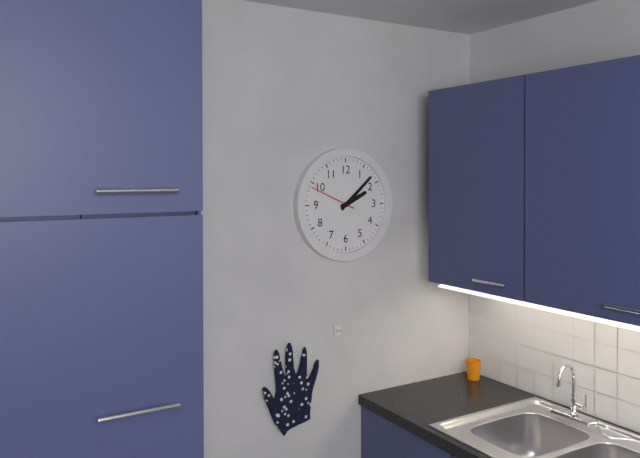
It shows 2,08
